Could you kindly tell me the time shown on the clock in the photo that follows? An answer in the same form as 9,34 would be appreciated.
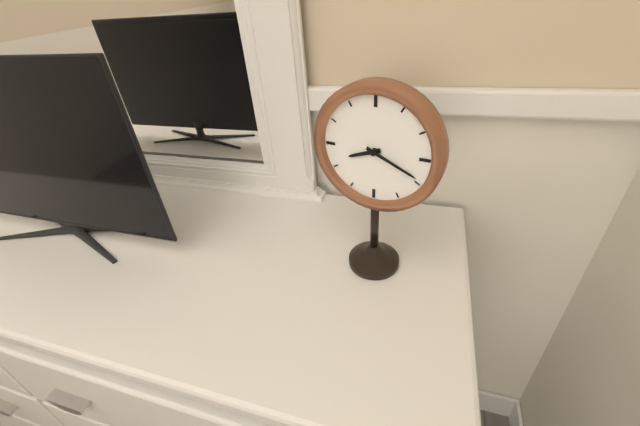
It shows 8,19
